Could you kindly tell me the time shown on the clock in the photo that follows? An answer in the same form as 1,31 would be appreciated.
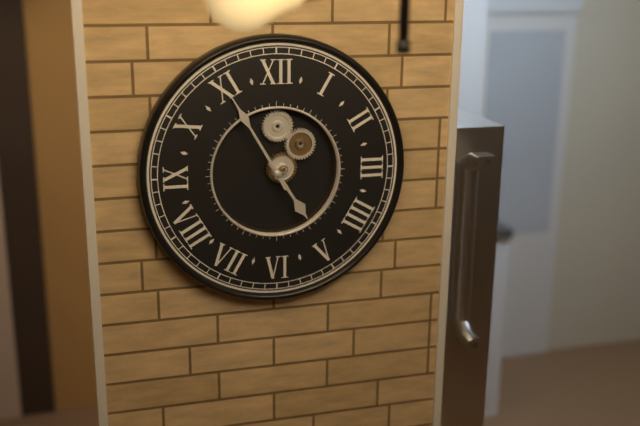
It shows 4,55
